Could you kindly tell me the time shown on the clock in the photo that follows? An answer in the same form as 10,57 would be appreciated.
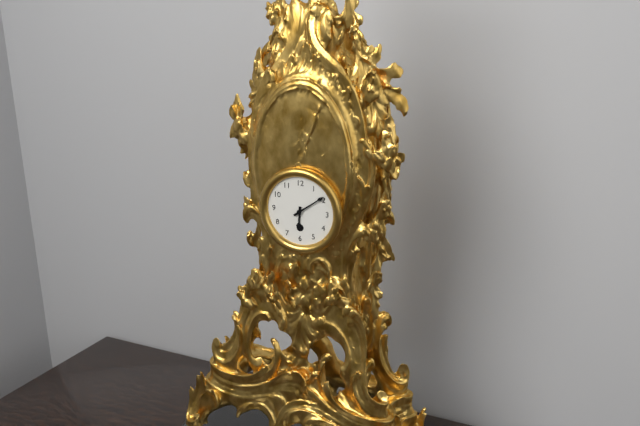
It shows 6,09
